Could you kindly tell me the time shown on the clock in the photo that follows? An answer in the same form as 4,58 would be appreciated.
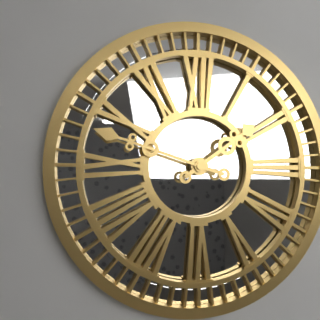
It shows 1,48
